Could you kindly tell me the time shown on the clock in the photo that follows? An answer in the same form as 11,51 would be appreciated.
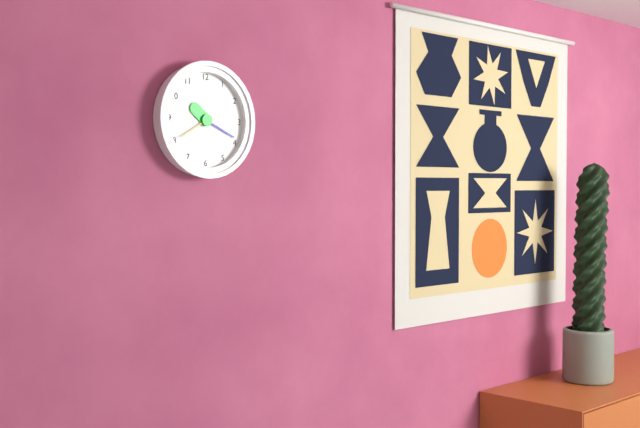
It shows 10,19
